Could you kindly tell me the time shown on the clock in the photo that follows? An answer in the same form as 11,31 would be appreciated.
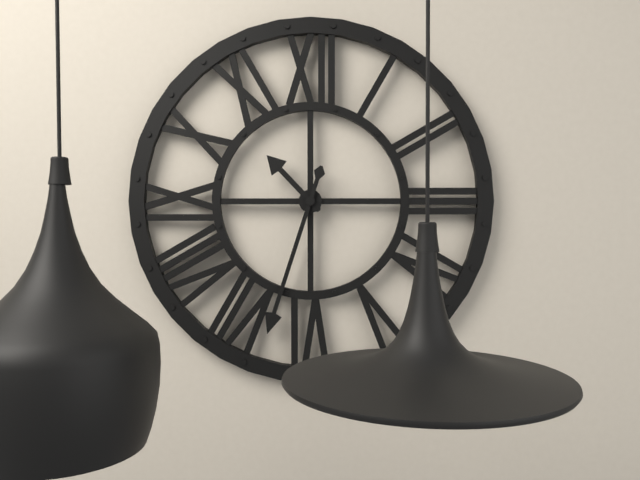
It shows 10,33
